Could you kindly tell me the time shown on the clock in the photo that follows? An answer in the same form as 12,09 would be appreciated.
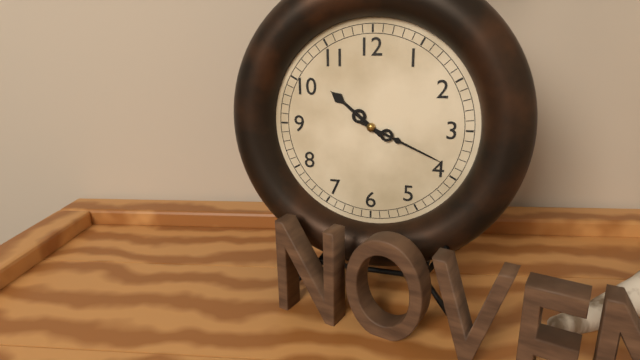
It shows 10,19
